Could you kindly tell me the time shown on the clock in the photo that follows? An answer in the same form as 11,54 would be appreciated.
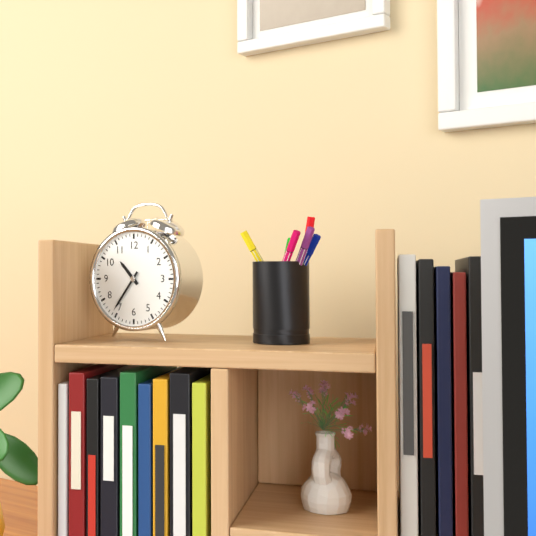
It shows 10,36
